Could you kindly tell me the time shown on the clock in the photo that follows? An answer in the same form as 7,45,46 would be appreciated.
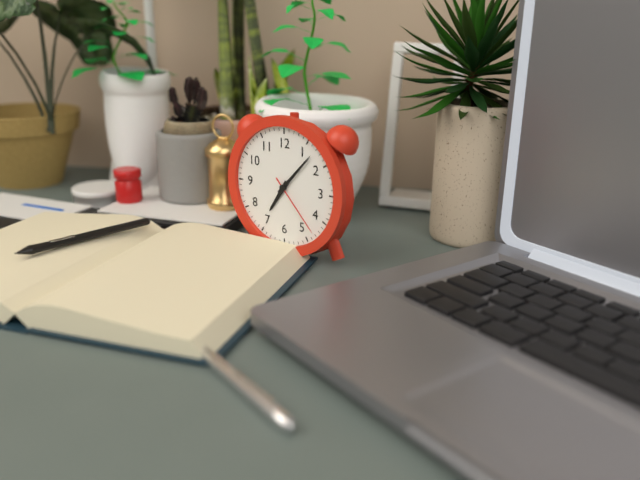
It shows 7,07,23
